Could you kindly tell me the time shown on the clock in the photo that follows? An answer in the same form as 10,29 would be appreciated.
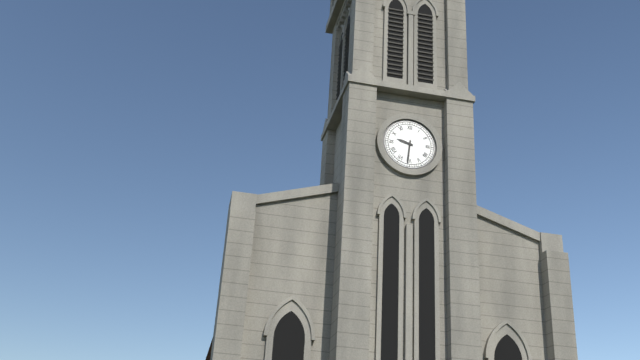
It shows 9,31
